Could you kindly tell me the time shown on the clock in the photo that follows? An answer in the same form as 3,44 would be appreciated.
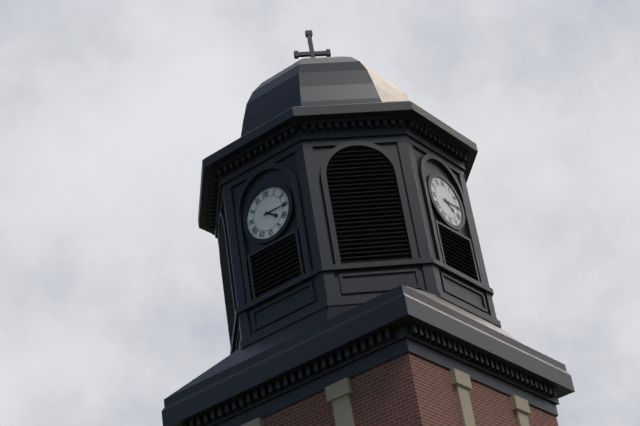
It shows 4,15
